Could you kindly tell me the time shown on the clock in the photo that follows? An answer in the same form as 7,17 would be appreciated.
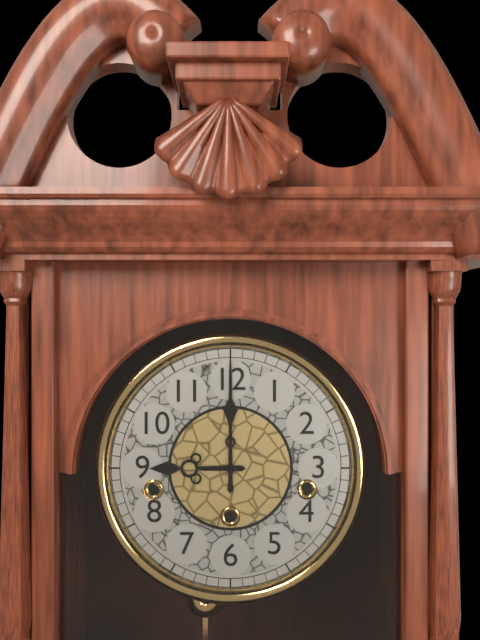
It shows 9,00
